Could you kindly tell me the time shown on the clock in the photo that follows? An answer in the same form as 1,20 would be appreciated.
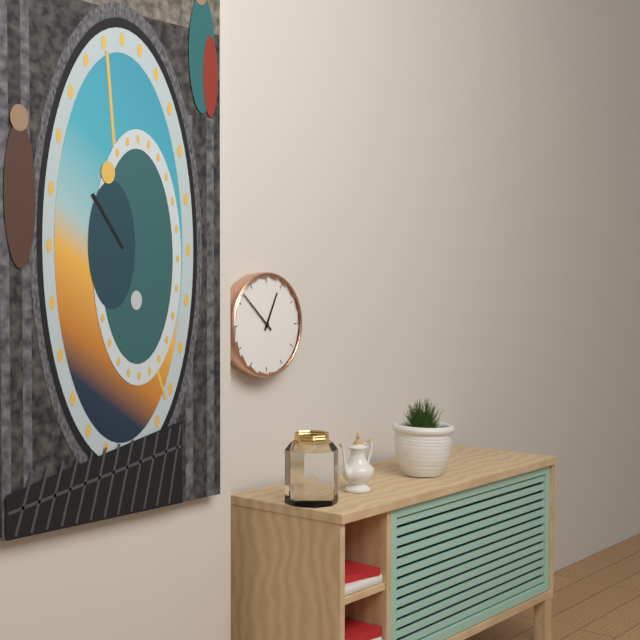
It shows 12,52
